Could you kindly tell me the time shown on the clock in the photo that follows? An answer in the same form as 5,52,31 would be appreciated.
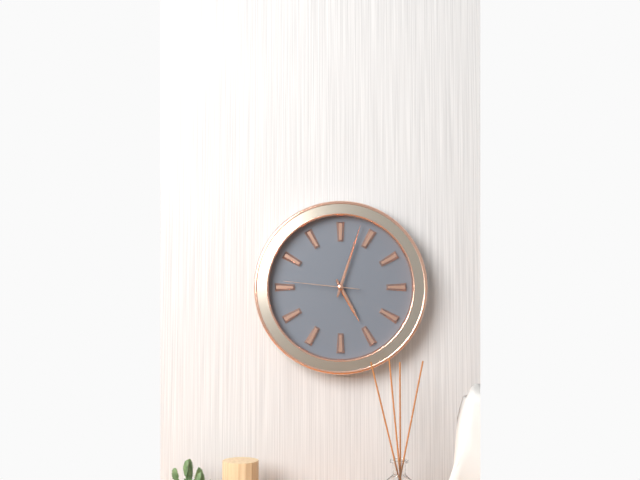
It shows 5,03,46
